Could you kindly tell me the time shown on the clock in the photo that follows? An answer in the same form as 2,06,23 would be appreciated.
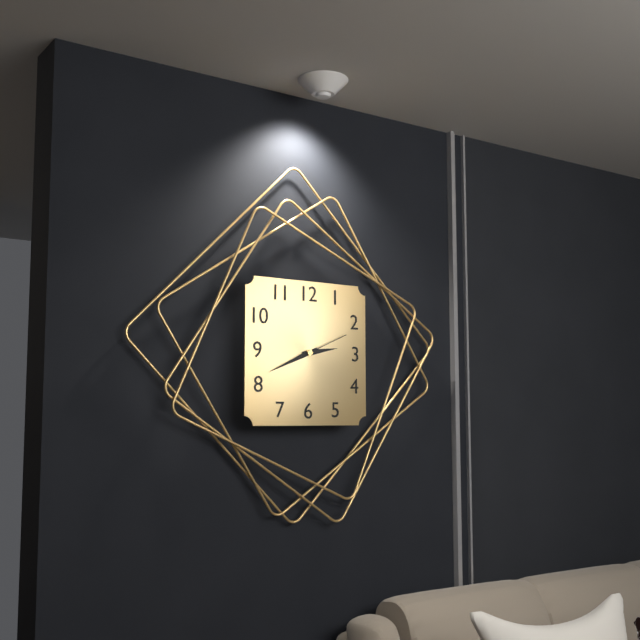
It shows 2,41,11
